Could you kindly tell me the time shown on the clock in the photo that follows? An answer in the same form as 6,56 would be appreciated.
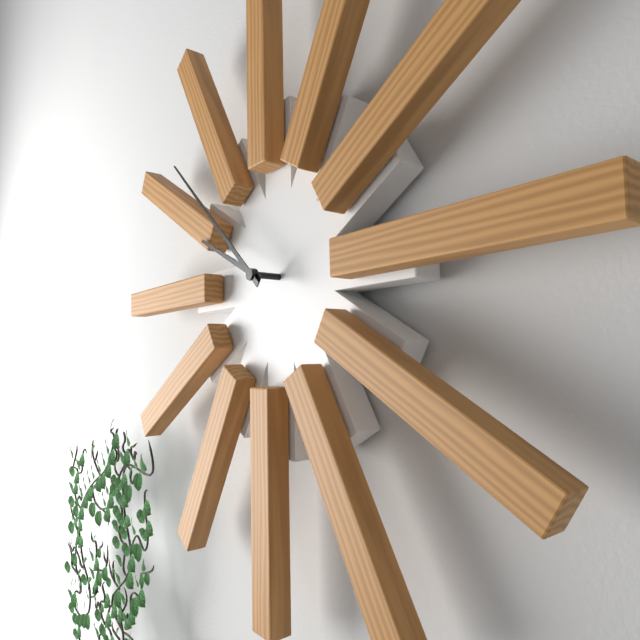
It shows 9,52
